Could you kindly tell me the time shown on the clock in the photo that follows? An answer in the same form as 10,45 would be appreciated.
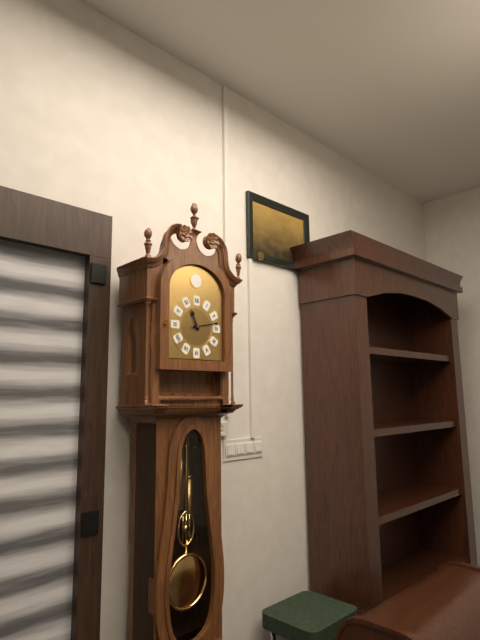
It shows 11,13
